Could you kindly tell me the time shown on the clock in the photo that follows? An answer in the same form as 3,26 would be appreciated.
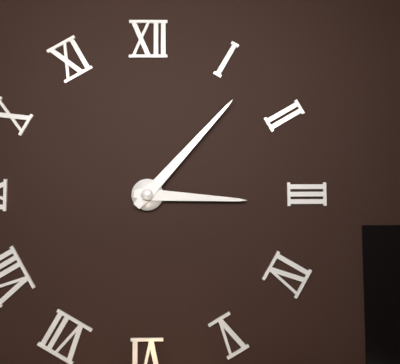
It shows 3,07
